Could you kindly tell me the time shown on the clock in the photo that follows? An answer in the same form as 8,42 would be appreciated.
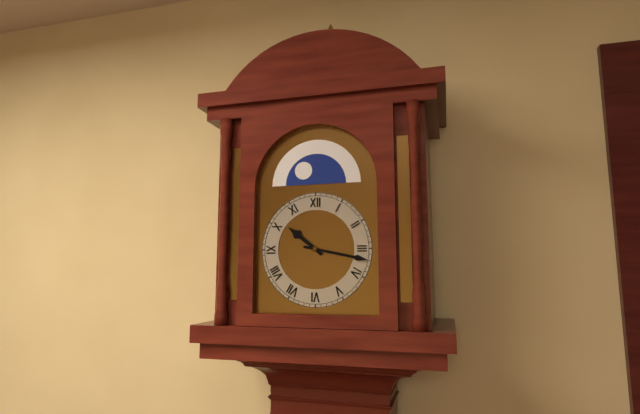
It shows 10,17
